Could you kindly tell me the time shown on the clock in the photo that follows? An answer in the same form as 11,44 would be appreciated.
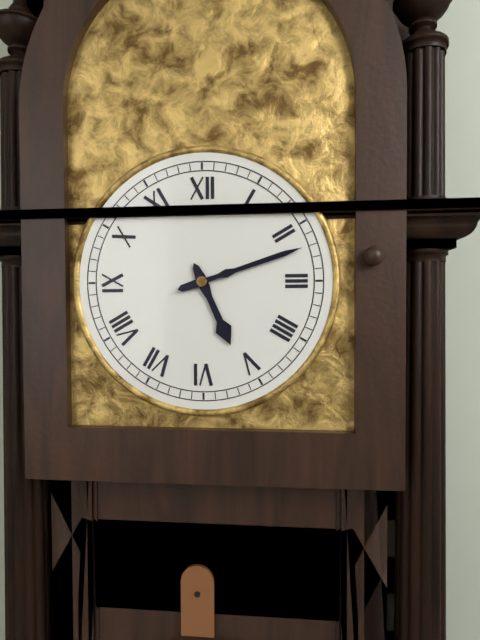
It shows 5,12
